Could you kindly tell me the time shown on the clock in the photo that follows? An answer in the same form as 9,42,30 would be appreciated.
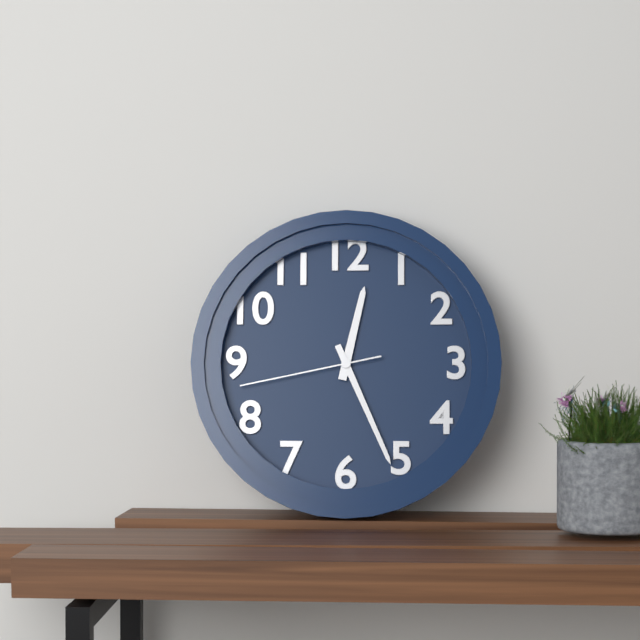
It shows 12,26,43
